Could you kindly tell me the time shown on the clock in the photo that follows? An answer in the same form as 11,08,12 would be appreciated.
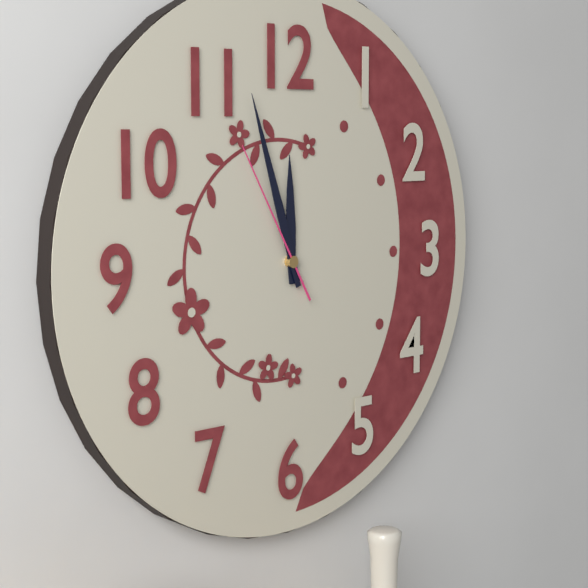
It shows 11,57,55
